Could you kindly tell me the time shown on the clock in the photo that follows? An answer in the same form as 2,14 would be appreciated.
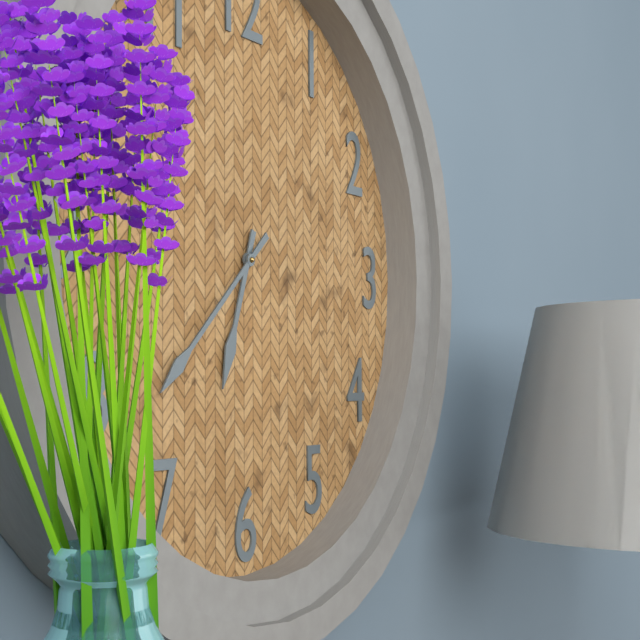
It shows 6,38
